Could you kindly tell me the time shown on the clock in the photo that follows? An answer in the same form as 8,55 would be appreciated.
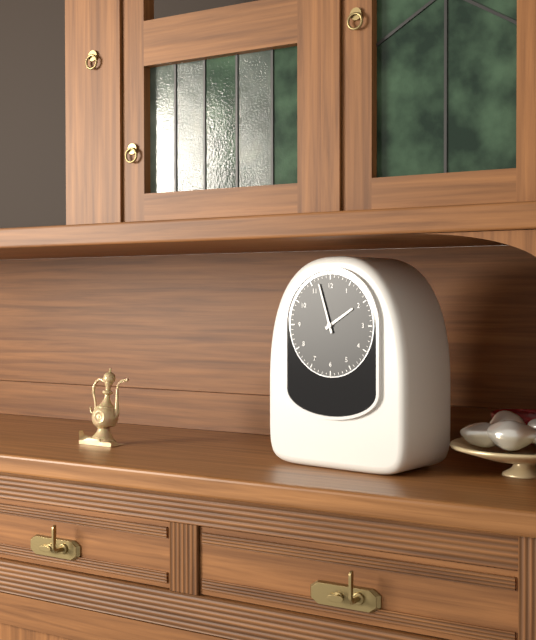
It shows 1,57
